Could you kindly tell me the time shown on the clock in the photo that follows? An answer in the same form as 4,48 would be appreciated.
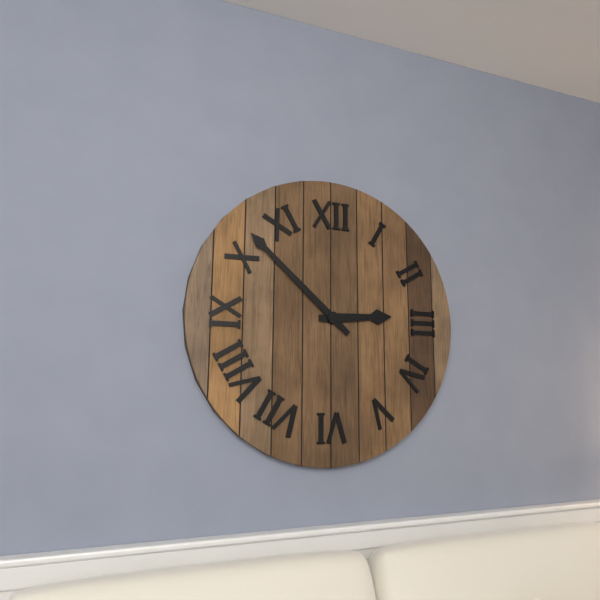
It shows 2,52
